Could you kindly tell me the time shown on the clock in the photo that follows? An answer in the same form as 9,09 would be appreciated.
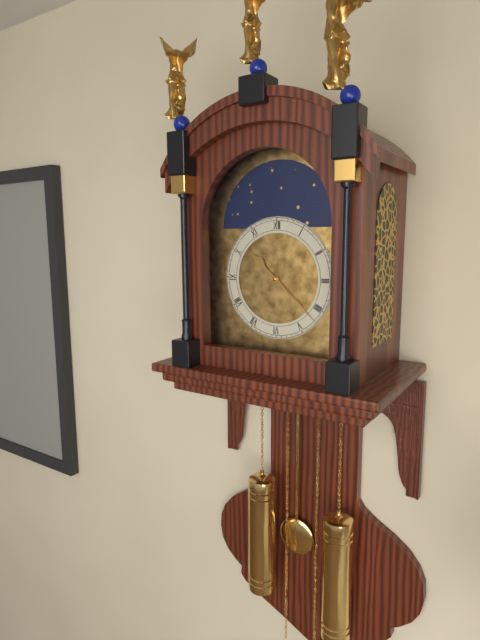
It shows 10,22
